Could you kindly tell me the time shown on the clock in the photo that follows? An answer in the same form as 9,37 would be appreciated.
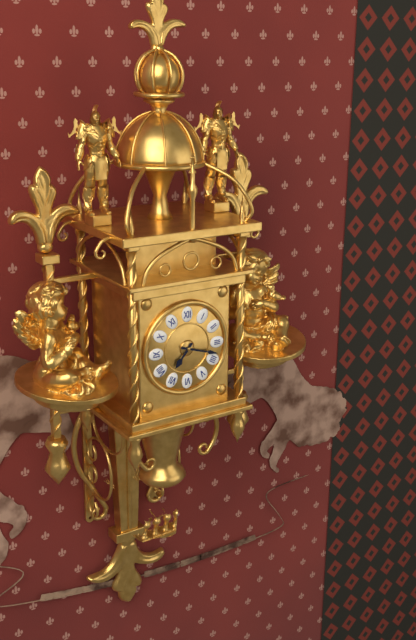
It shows 7,18
